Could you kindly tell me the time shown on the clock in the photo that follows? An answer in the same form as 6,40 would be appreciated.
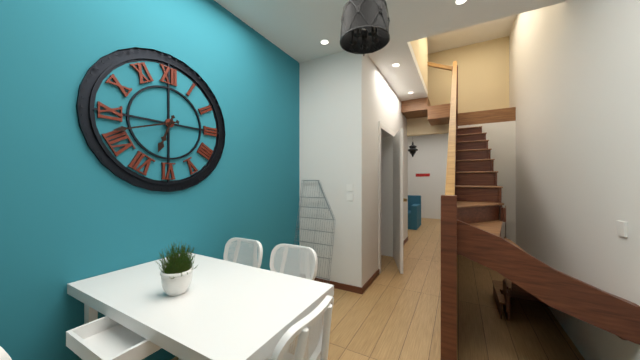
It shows 6,42
